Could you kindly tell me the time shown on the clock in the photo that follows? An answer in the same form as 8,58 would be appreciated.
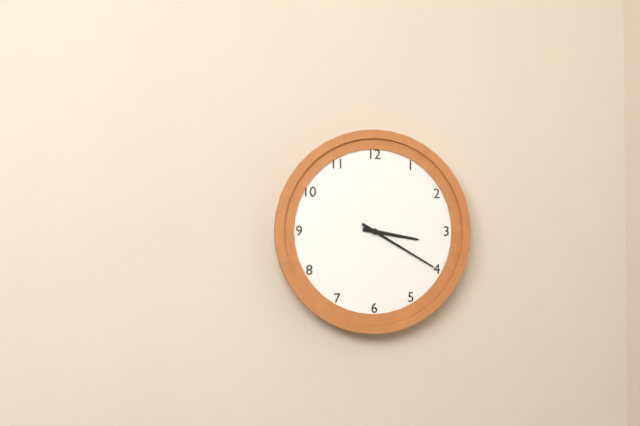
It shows 3,20
